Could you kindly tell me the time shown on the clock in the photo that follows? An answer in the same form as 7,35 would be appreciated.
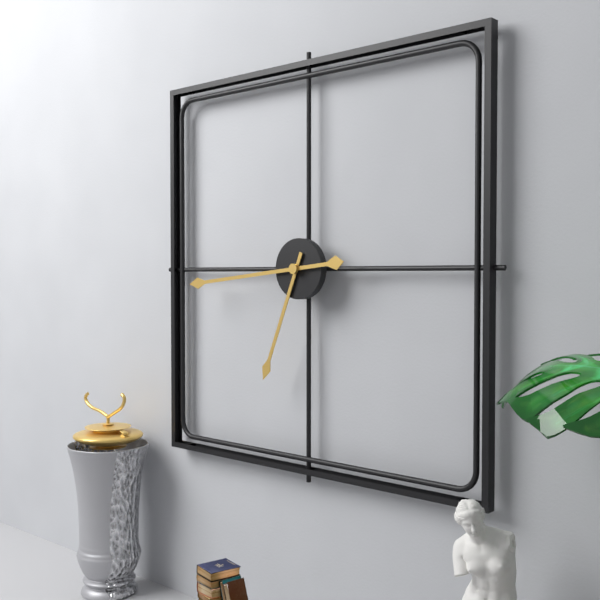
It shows 6,44
